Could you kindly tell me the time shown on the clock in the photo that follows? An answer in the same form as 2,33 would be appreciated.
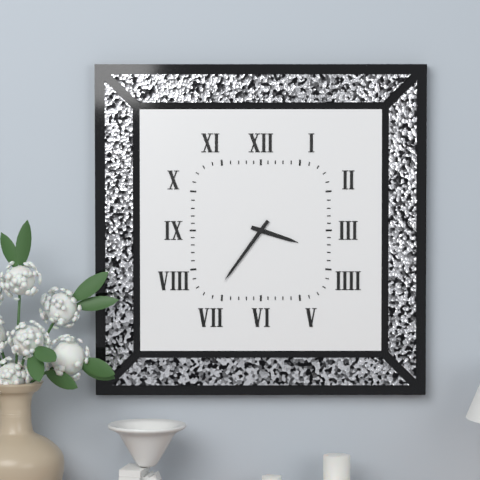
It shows 3,36
